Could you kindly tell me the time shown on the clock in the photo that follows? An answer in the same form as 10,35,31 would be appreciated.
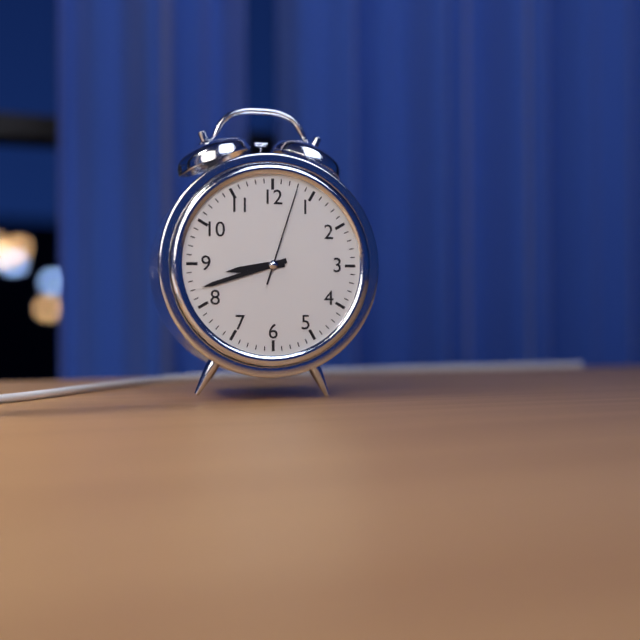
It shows 8,42,03
